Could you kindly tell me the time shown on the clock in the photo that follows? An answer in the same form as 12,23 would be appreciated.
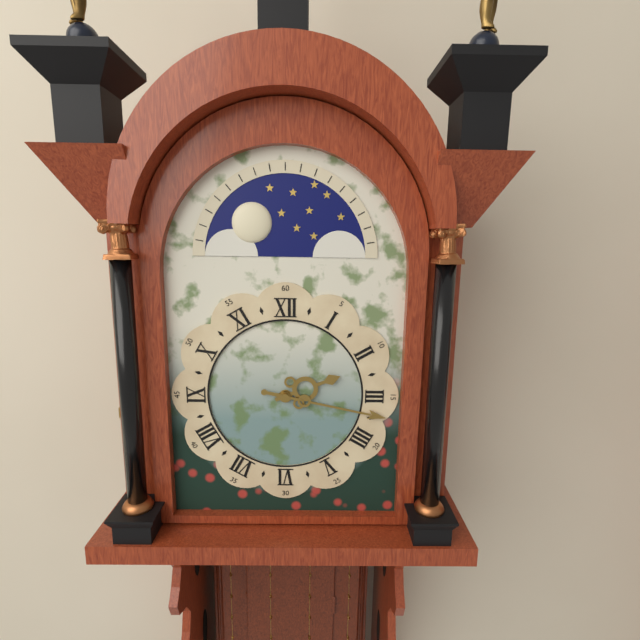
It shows 2,17
